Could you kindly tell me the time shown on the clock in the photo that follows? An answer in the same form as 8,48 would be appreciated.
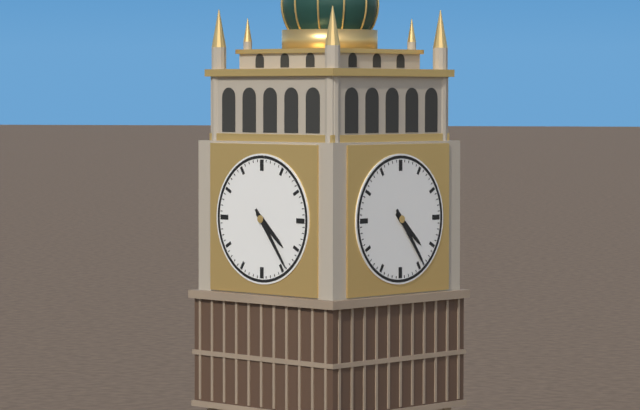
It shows 4,24
